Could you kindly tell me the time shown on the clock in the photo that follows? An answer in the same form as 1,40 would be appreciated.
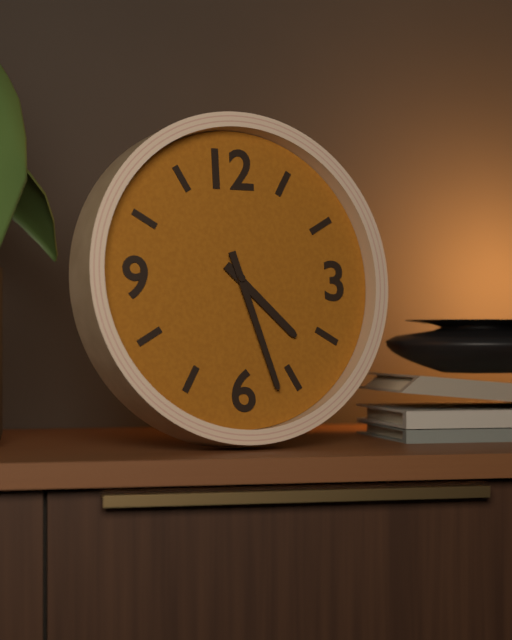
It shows 4,27
